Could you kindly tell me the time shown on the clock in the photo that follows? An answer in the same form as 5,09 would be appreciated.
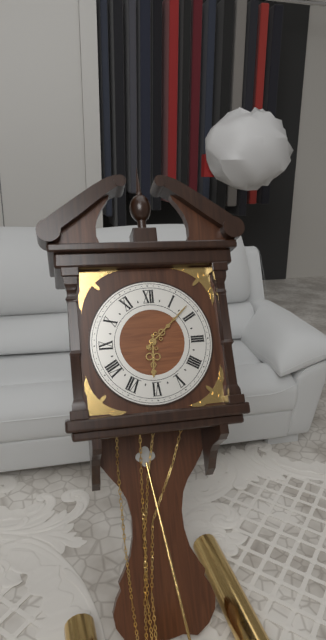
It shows 6,08
